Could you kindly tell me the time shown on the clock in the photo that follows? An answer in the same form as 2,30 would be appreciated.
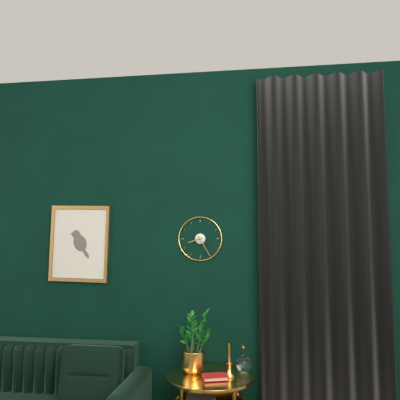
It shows 8,25
